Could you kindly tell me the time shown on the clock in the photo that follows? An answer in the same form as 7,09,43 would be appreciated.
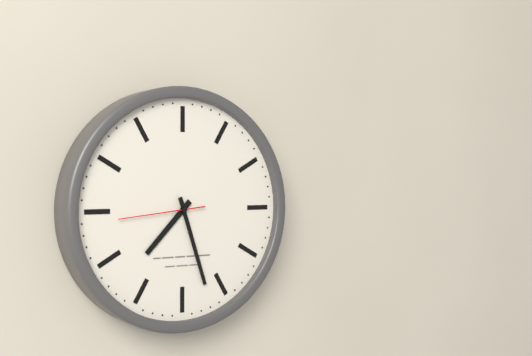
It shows 7,27,44
